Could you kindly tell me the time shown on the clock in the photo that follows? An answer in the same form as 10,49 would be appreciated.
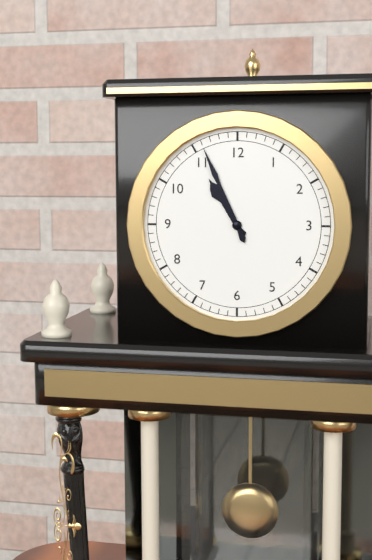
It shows 10,56
